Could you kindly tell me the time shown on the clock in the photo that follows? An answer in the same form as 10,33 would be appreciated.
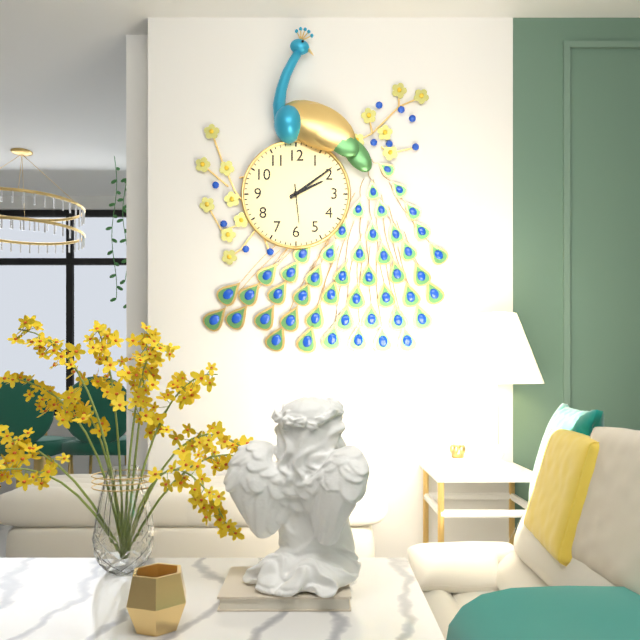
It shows 2,09
